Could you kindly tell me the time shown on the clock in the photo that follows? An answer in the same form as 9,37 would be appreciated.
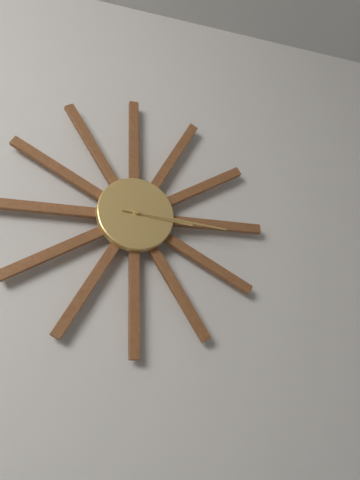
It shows 3,16
